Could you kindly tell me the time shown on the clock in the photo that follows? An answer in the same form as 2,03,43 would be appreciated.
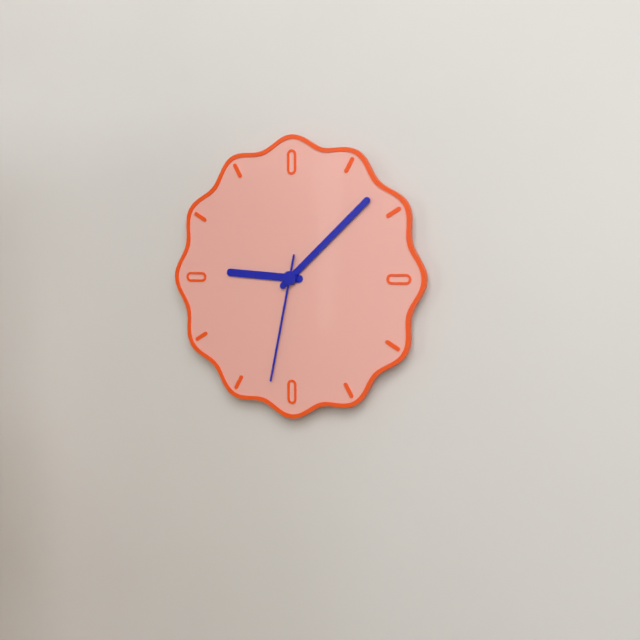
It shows 9,08,32
